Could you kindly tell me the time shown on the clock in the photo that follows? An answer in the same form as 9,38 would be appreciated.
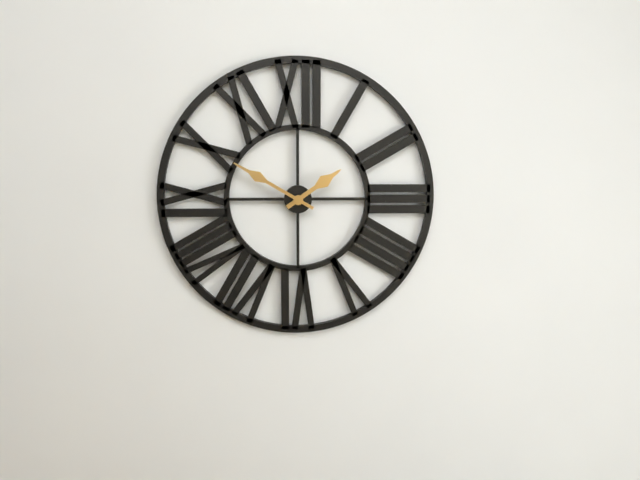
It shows 1,50
